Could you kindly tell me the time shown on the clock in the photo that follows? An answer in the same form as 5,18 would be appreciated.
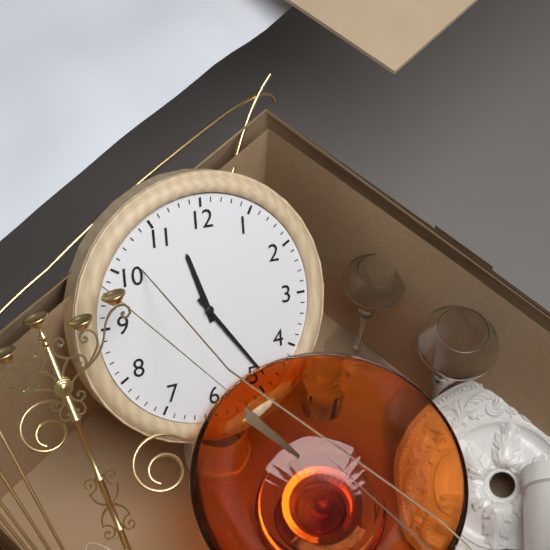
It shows 11,24
